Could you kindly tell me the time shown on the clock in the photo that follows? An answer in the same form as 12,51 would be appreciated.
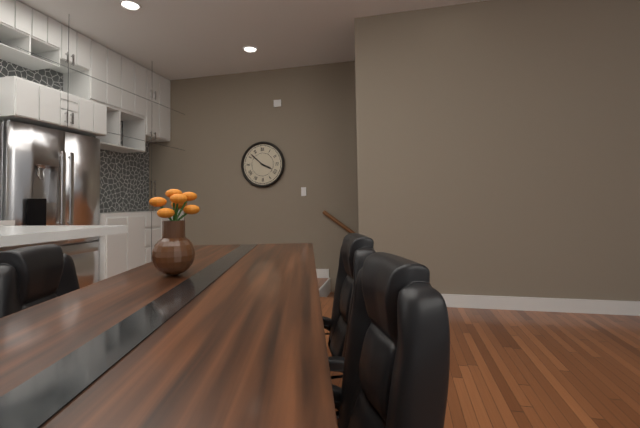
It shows 3,52
